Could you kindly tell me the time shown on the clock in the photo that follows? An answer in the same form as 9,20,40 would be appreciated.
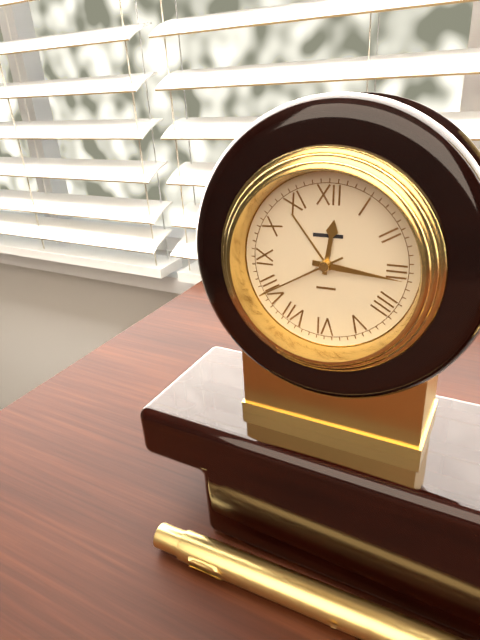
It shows 12,16,40
